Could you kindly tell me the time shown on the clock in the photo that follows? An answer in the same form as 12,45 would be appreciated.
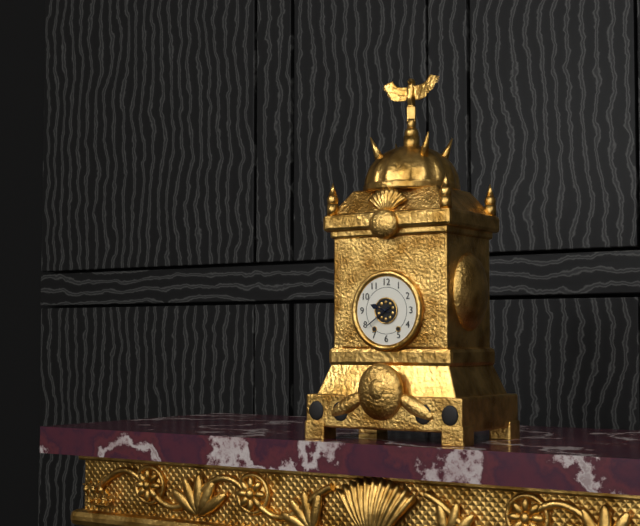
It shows 9,39
